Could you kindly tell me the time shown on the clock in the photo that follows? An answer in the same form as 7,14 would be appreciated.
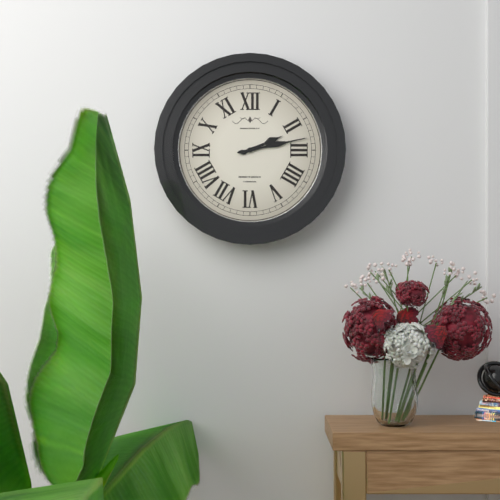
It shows 2,13
